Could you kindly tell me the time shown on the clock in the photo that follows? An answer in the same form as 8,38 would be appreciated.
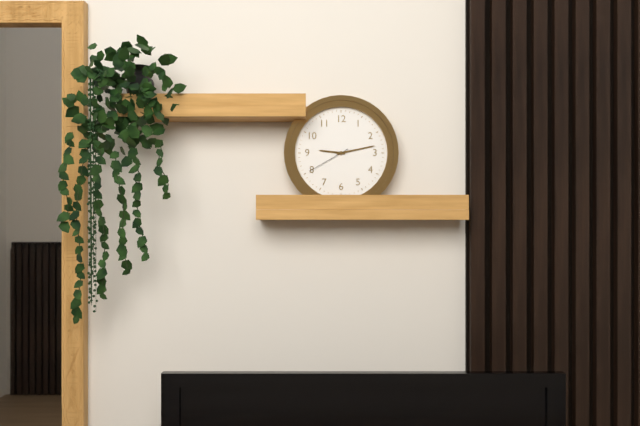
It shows 9,13
